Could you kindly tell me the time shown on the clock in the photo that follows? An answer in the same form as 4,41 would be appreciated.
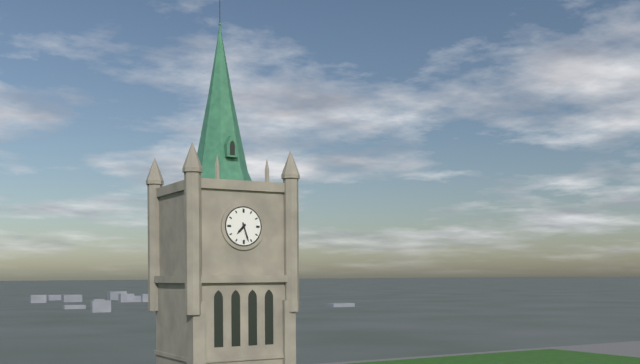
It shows 7,27
